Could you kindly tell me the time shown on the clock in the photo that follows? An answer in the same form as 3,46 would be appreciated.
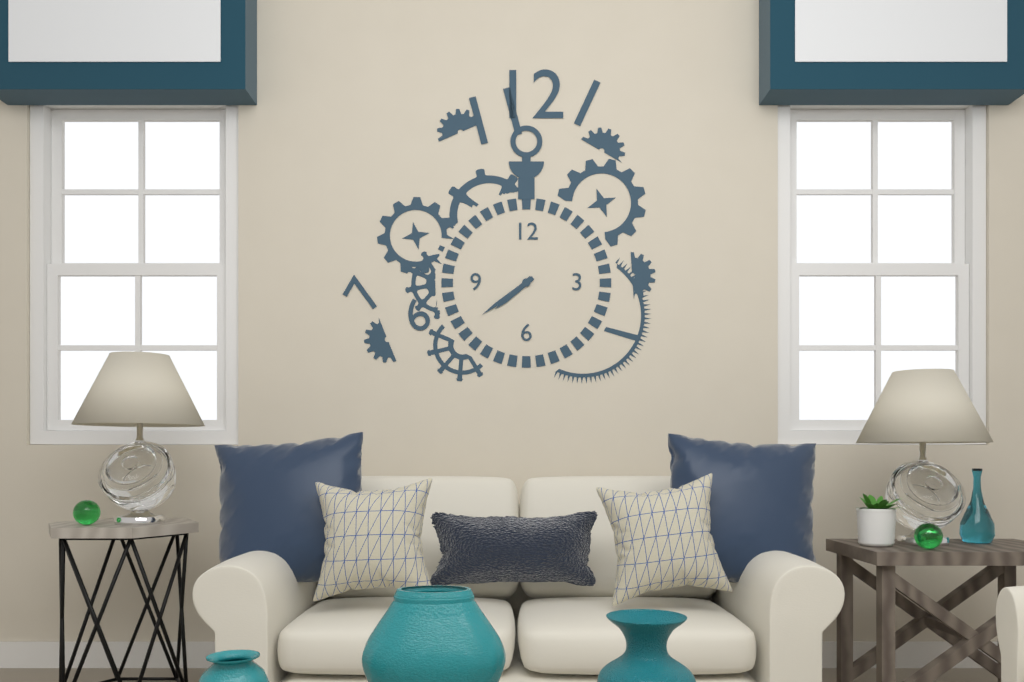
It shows 7,39
